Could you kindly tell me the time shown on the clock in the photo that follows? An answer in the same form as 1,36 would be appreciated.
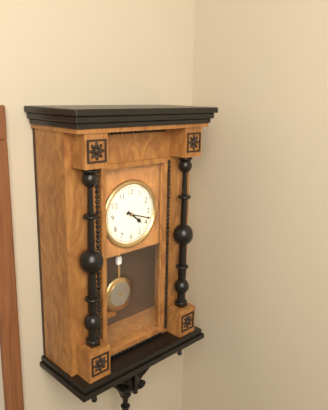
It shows 4,18
